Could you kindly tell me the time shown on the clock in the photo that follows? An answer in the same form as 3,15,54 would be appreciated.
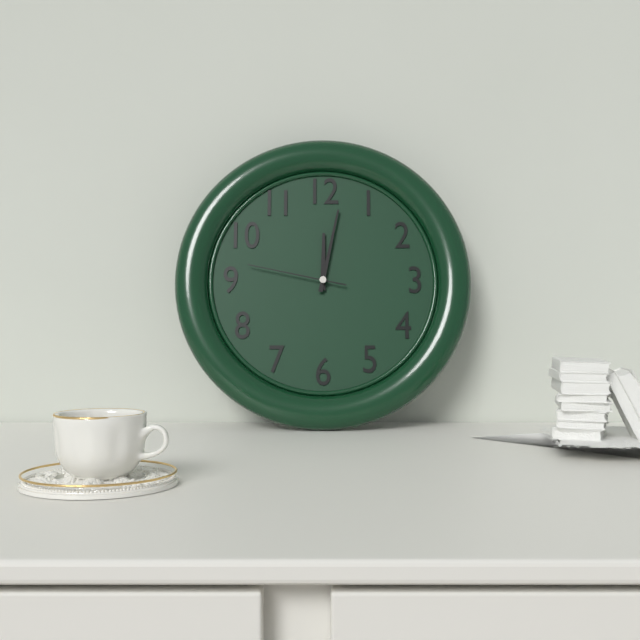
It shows 12,02,47
